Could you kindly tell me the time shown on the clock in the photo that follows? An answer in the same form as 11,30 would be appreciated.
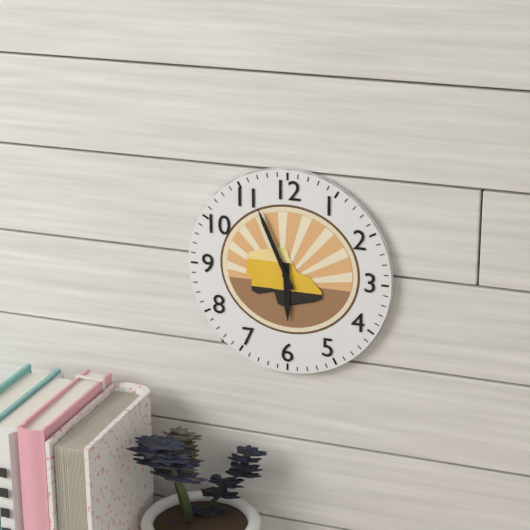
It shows 5,56
